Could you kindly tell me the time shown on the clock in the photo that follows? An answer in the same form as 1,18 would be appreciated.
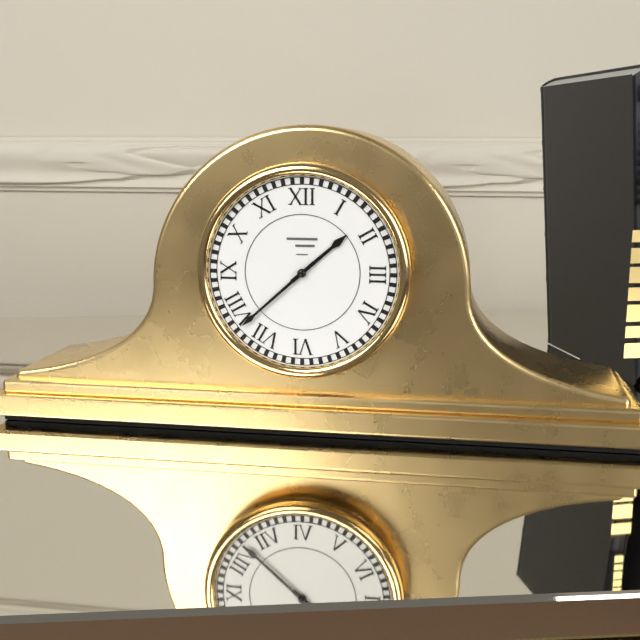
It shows 1,38
